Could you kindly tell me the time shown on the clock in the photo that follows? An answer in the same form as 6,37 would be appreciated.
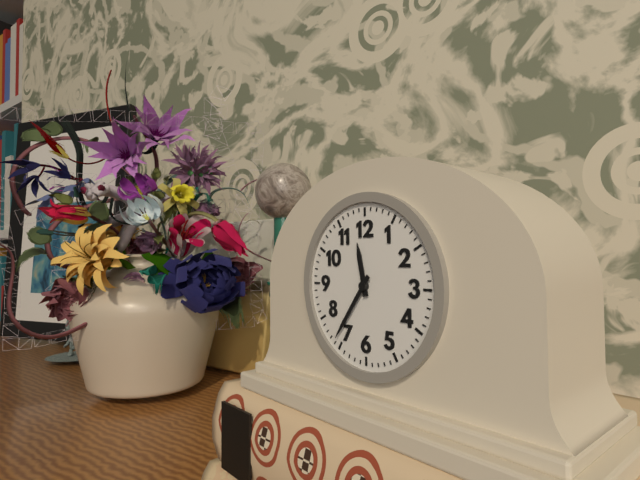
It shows 11,36
